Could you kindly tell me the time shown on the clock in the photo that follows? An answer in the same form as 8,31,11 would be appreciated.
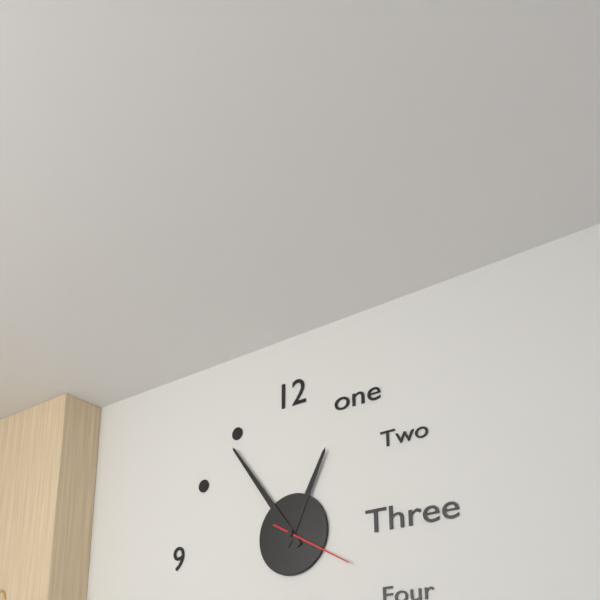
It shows 12,54,20
